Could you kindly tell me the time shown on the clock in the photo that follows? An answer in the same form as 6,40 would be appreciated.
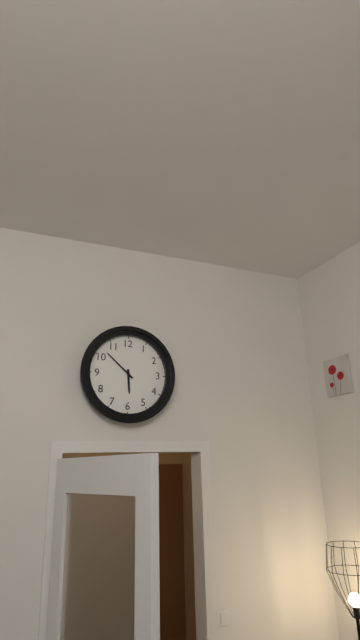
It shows 5,52
